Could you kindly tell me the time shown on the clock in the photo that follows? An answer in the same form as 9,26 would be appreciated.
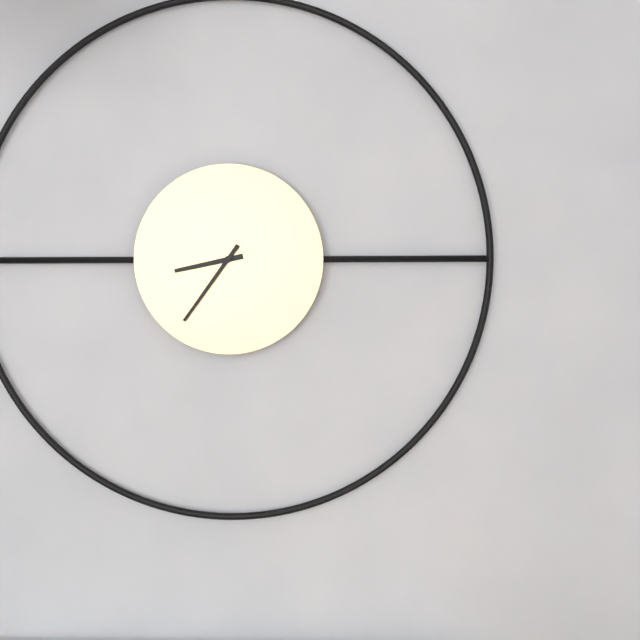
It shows 8,36
